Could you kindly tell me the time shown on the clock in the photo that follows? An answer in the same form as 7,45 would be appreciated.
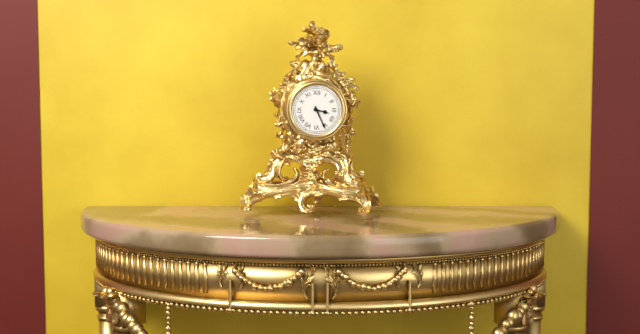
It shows 3,26
